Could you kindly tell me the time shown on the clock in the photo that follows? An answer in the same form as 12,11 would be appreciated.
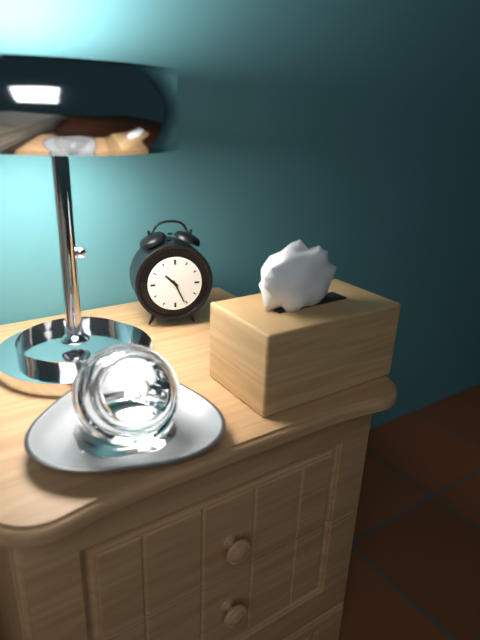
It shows 10,26
